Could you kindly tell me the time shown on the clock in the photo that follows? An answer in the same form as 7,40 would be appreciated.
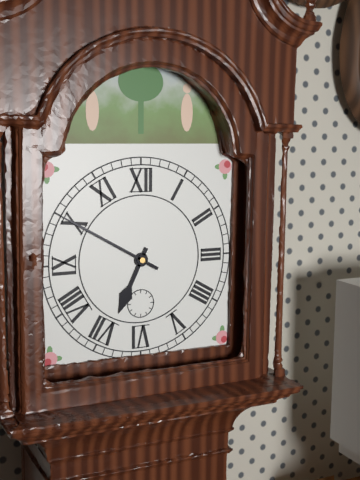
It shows 6,50
